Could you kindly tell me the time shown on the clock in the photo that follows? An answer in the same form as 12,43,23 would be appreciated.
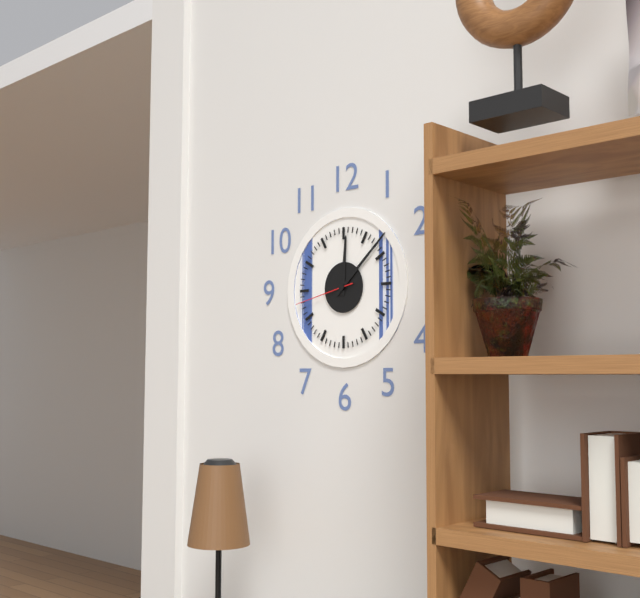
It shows 12,08,43
